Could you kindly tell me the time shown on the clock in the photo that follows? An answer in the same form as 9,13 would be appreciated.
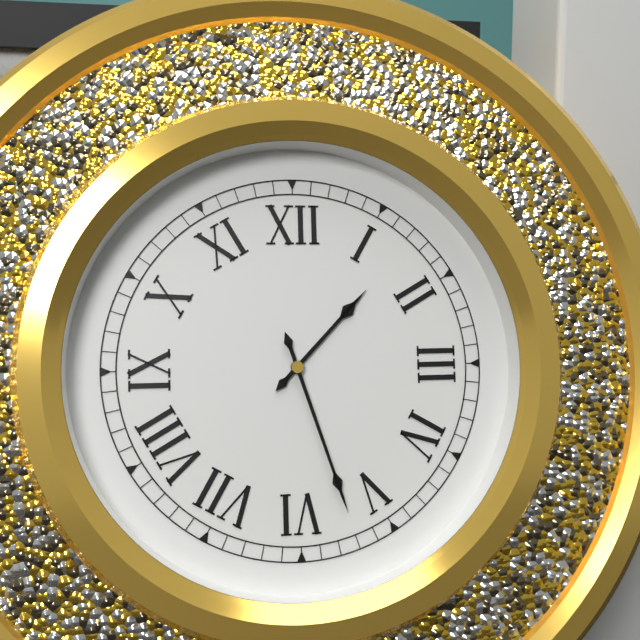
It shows 1,27
